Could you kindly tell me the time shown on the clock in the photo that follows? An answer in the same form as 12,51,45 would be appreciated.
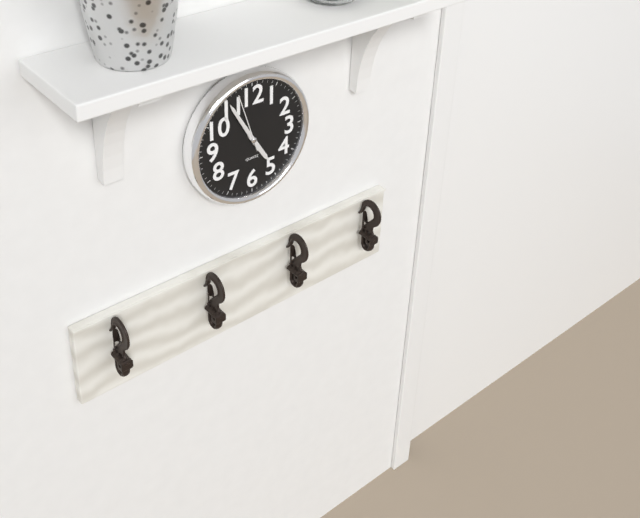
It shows 4,55,57
